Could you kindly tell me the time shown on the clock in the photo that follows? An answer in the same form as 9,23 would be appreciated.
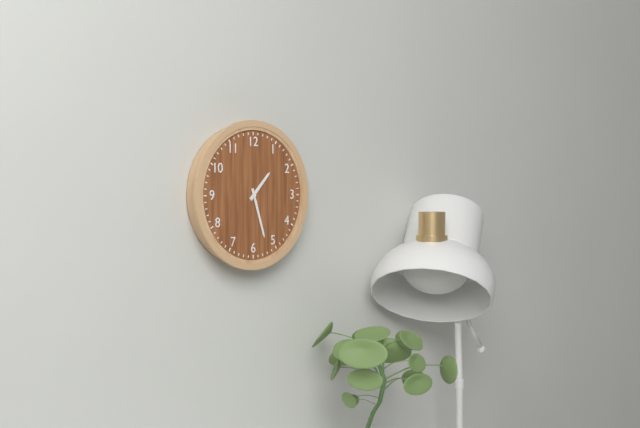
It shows 1,27
